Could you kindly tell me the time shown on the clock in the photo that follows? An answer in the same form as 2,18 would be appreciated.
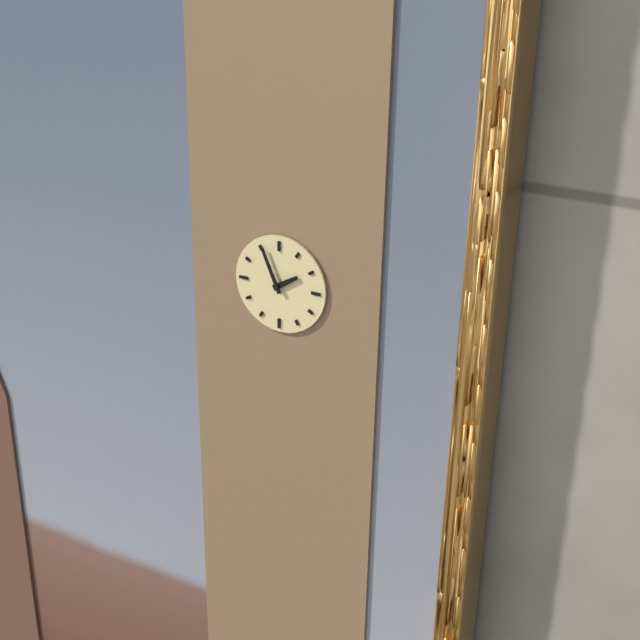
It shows 1,56
